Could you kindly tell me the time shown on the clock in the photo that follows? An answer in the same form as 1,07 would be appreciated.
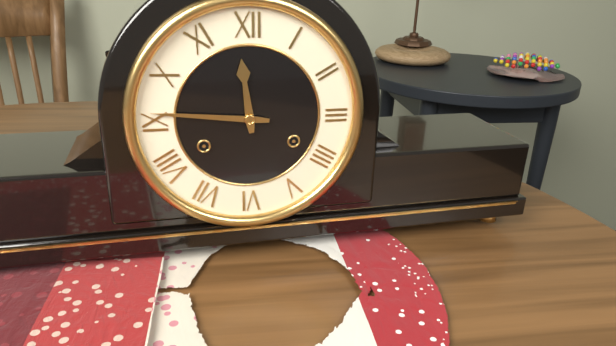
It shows 11,46
